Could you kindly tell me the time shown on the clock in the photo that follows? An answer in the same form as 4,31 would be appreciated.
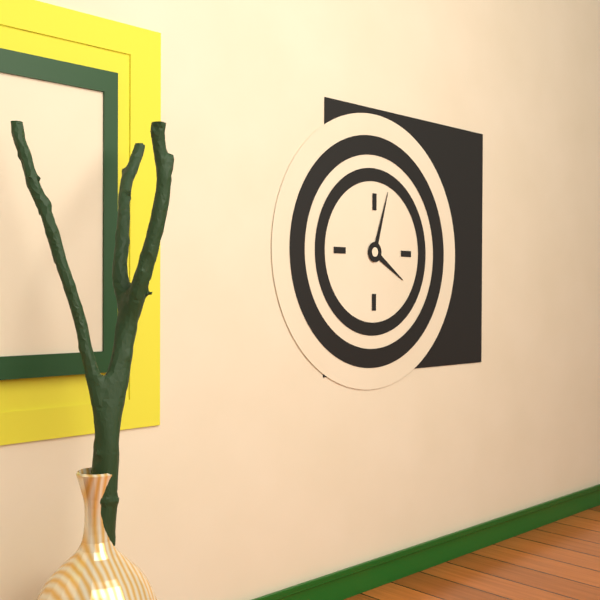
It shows 4,03
